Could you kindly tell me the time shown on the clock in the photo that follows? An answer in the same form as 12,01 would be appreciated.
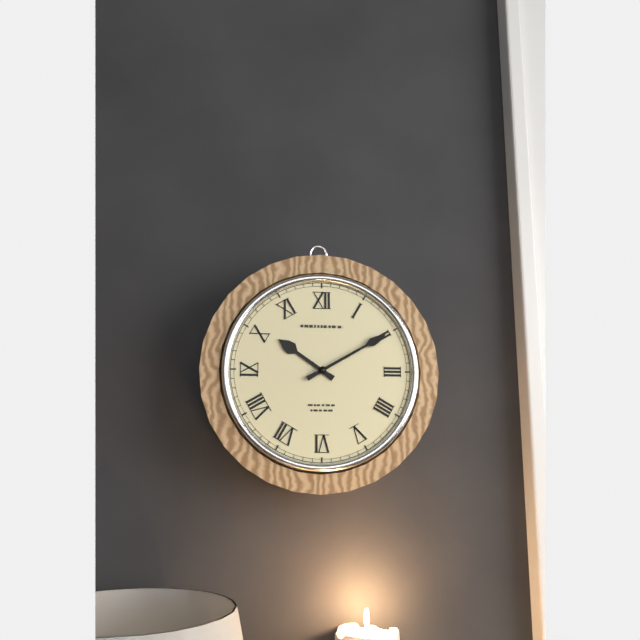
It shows 10,10
